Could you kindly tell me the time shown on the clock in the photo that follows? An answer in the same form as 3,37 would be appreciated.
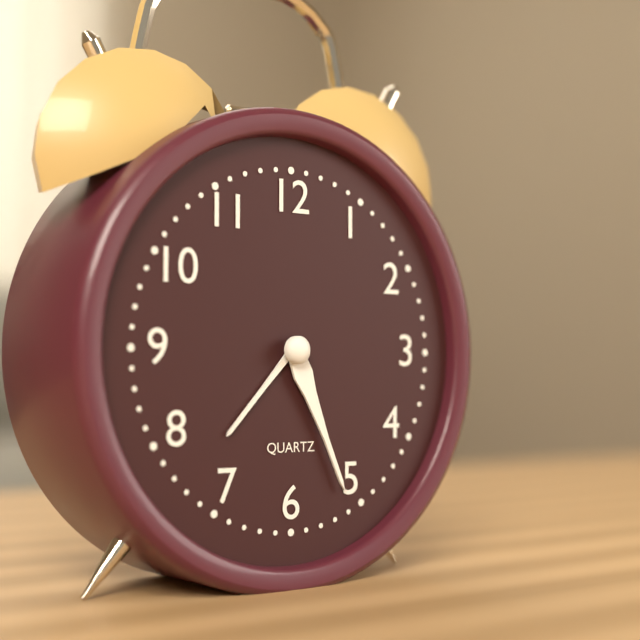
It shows 7,26
